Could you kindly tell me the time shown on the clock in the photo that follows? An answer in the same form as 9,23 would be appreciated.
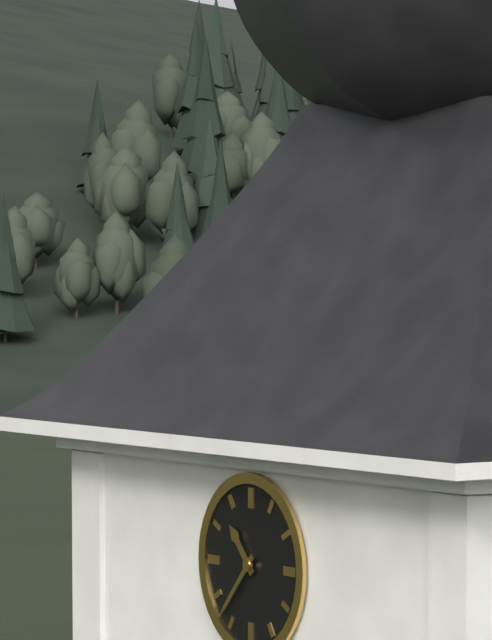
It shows 10,37
